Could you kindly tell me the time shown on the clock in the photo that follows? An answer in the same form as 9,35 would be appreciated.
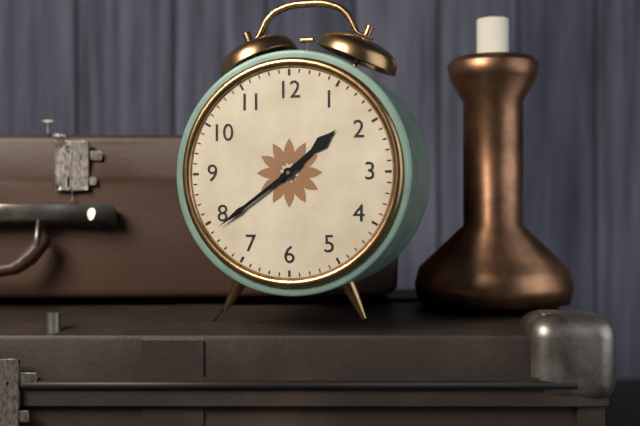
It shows 1,39
